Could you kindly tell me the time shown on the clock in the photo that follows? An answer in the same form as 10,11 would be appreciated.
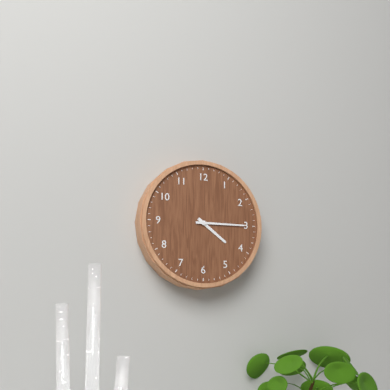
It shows 4,15
